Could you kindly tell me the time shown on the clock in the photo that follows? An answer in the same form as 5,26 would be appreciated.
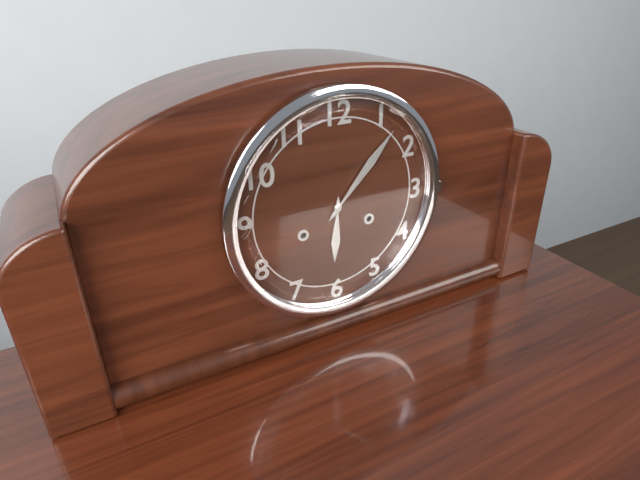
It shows 6,07
